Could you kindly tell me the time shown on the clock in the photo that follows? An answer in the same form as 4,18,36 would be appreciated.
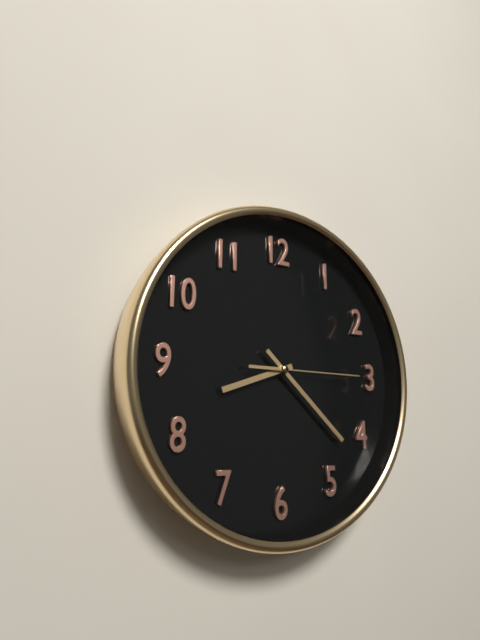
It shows 8,22,15
